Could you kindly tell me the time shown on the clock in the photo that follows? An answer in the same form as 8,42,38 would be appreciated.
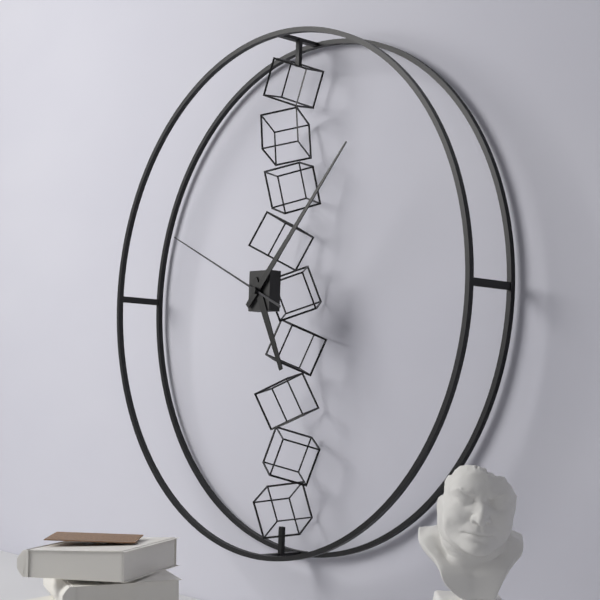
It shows 5,07,49
